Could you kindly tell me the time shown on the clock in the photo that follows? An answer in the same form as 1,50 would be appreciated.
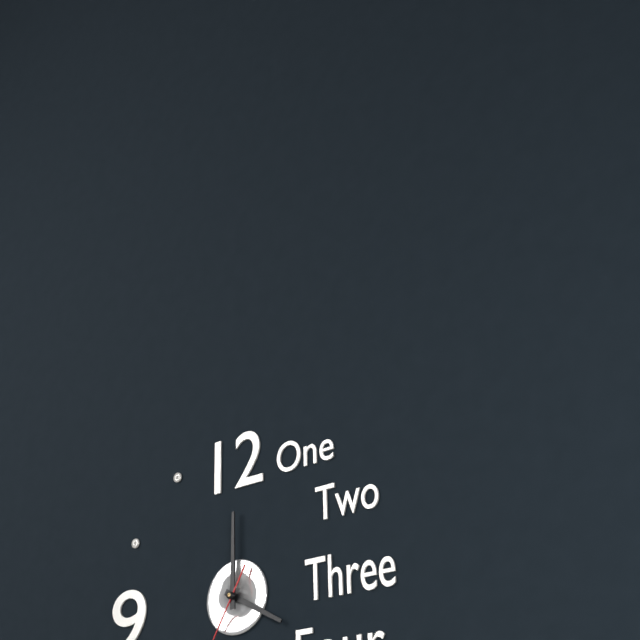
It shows 4,00
